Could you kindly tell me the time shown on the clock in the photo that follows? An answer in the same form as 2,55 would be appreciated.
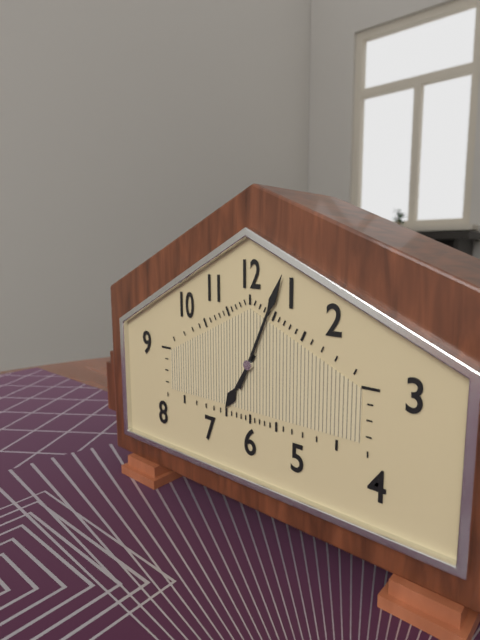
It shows 7,04
